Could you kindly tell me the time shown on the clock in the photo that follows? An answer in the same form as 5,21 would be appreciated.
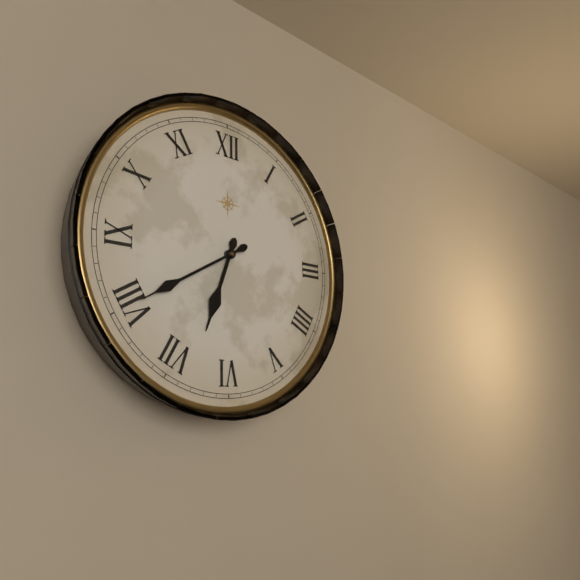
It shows 6,40
